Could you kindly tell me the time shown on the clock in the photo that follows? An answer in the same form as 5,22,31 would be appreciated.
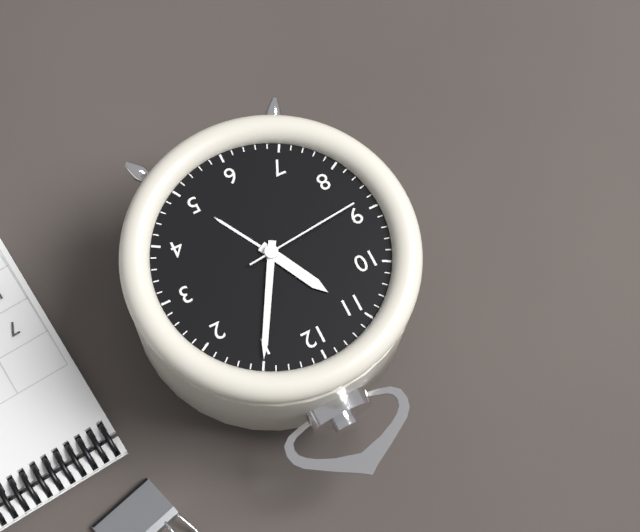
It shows 11,05,44
